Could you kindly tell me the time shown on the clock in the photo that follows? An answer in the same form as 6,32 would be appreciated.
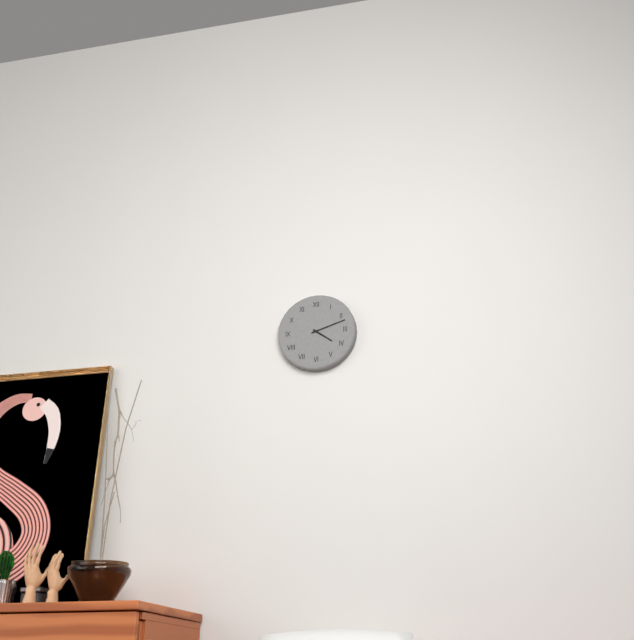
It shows 4,12
